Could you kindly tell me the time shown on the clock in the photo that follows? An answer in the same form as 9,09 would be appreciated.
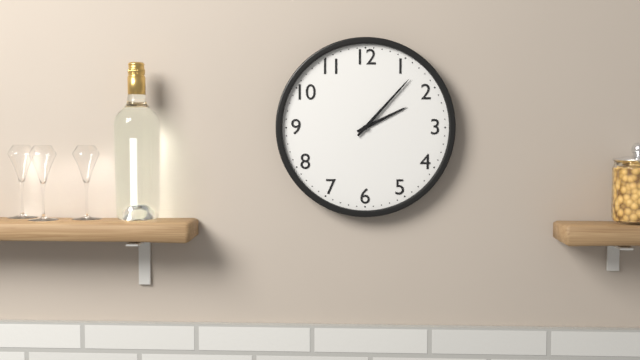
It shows 2,07
